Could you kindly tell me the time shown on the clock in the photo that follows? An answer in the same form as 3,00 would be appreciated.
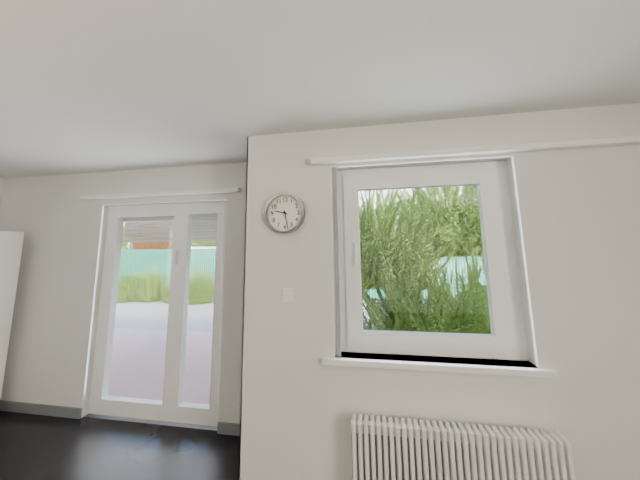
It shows 9,28
